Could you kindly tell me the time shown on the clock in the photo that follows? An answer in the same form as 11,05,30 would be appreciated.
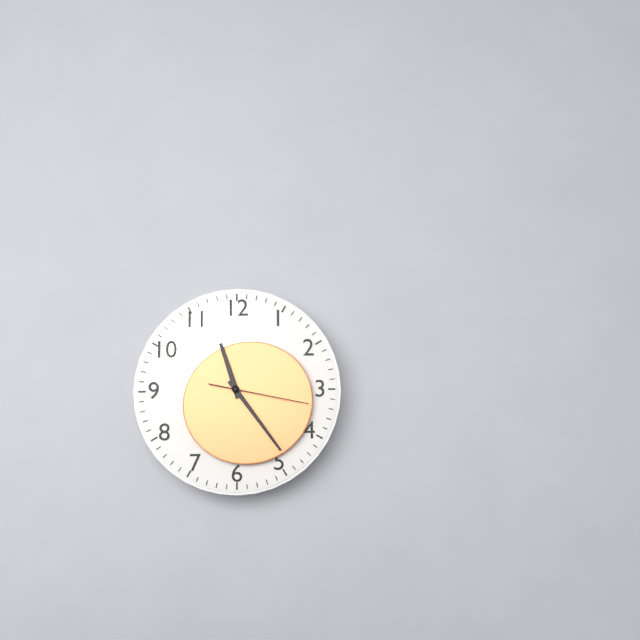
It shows 11,24,17
